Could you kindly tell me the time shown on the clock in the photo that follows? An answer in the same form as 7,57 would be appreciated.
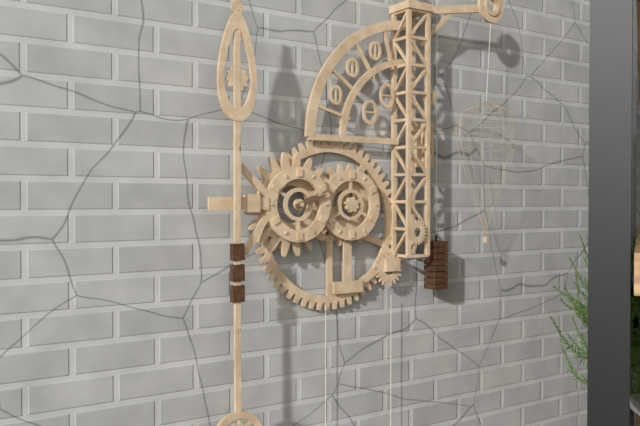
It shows 2,12
